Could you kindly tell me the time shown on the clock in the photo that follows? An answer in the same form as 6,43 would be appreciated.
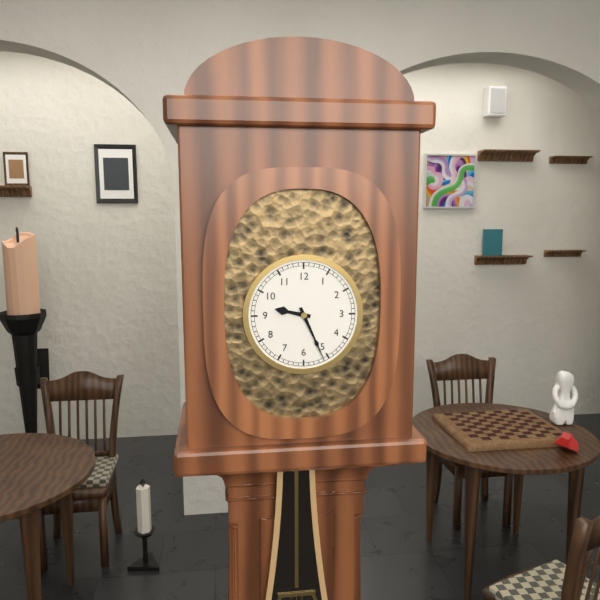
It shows 9,26
